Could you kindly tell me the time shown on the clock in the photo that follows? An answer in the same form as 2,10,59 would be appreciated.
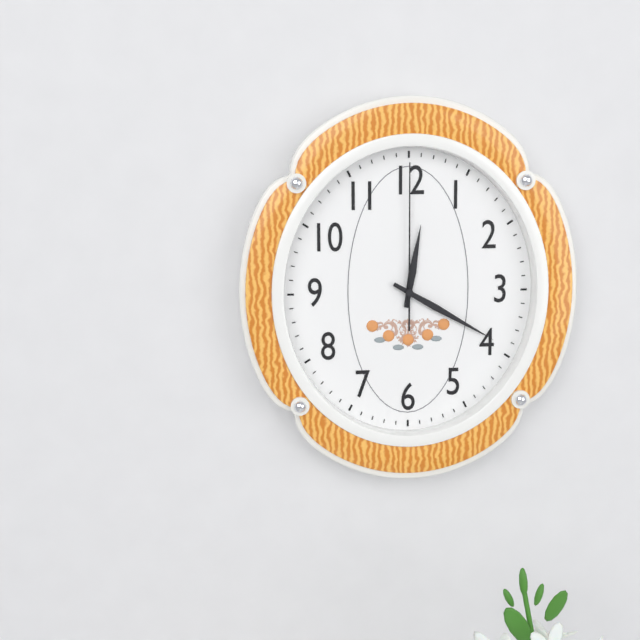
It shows 12,20,00
